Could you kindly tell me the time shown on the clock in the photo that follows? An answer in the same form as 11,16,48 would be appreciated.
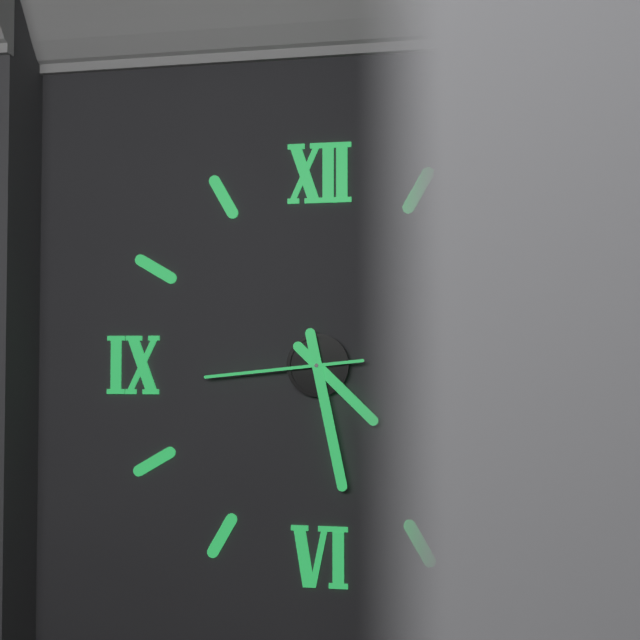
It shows 4,28,44
